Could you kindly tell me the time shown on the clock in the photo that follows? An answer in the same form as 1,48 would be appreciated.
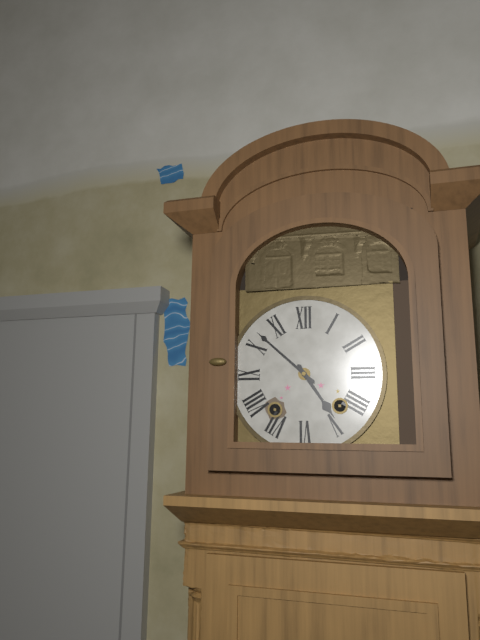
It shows 4,52
